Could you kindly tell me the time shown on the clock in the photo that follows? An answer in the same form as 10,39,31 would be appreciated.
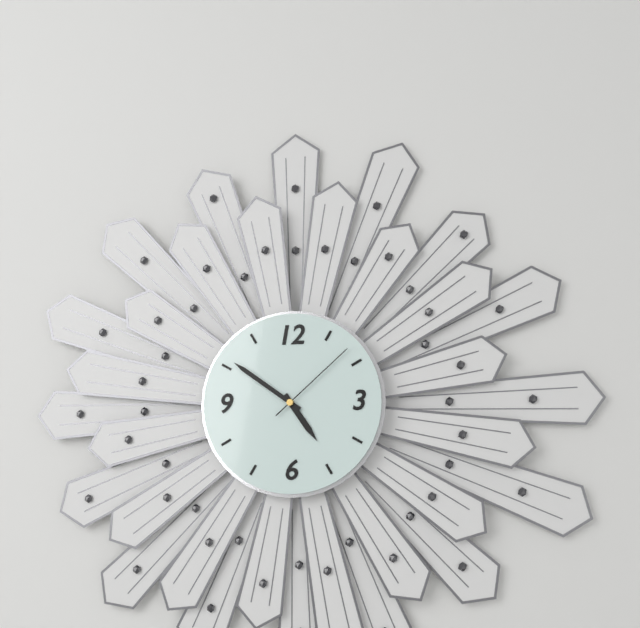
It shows 4,51,08
